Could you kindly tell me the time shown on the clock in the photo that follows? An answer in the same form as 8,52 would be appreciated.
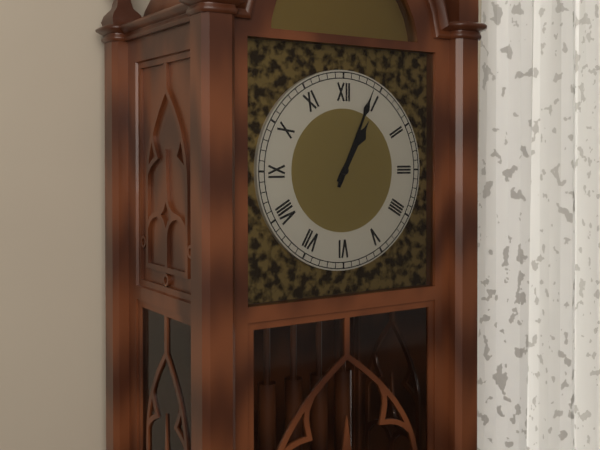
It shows 1,04
